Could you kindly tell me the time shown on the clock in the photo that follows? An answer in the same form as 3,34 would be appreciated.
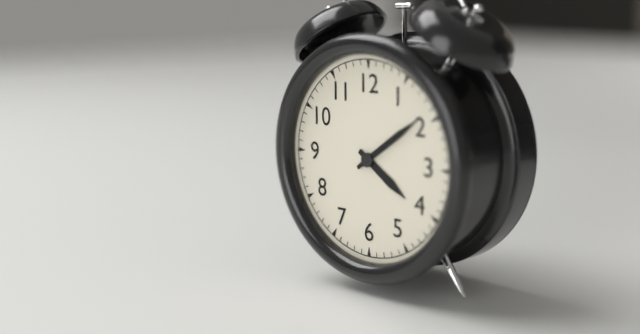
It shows 4,09
